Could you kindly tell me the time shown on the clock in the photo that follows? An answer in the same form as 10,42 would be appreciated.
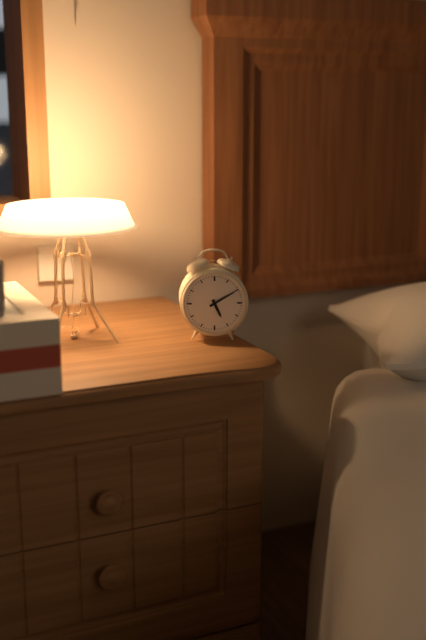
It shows 5,10
